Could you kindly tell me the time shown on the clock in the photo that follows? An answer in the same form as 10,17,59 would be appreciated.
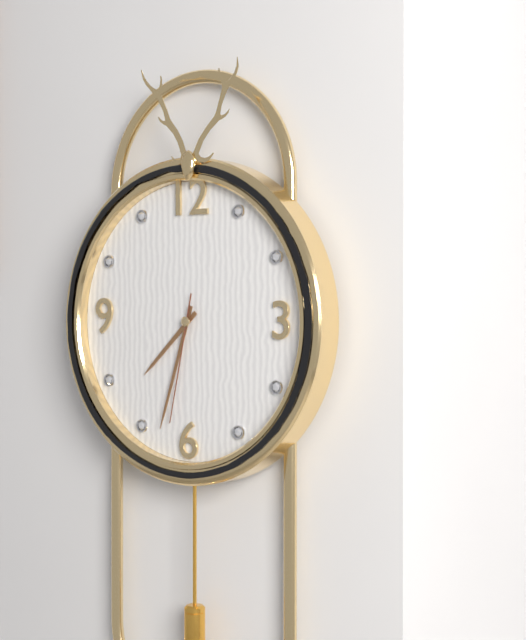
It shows 7,33,32
